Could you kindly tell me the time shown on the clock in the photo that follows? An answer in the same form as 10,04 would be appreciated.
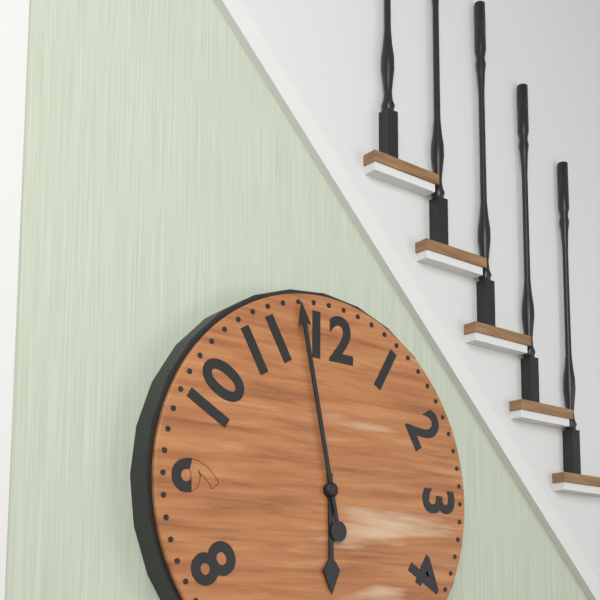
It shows 5,58
